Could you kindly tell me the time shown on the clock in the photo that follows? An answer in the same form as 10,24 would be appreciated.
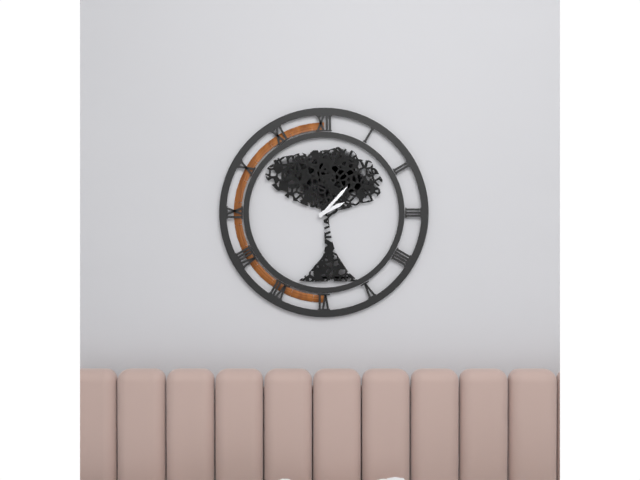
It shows 2,07
